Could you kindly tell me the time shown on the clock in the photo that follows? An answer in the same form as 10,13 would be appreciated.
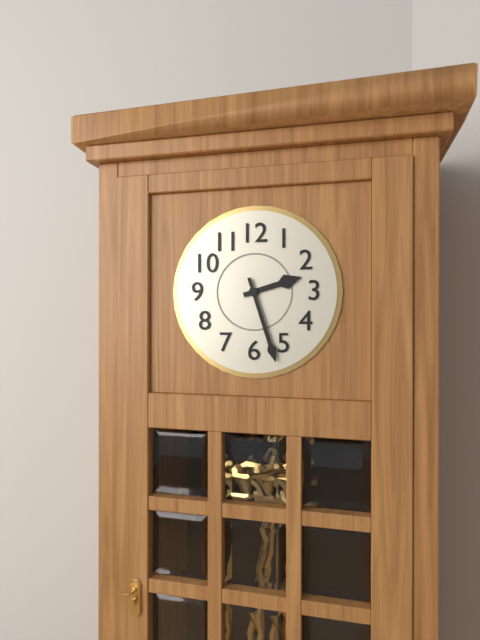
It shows 2,27
